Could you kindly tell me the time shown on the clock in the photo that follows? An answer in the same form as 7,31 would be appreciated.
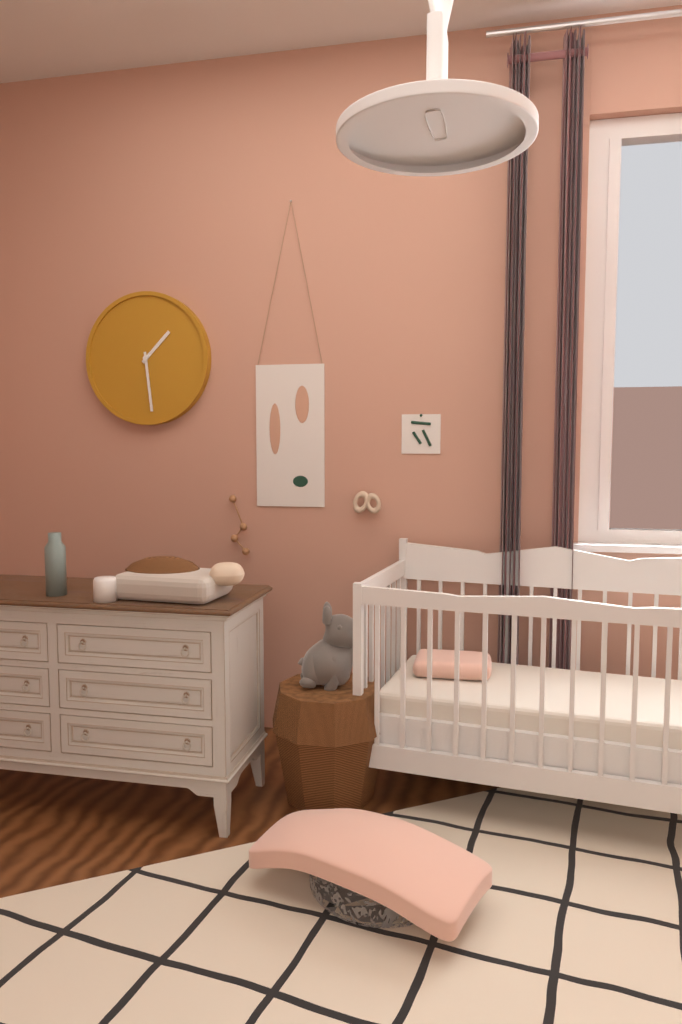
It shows 1,29
